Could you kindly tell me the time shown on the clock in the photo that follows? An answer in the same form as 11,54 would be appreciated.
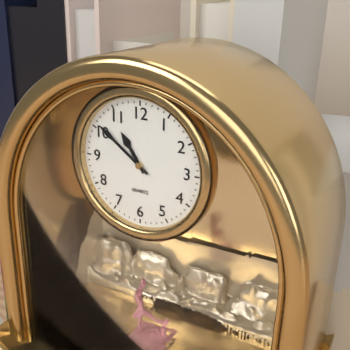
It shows 10,51
